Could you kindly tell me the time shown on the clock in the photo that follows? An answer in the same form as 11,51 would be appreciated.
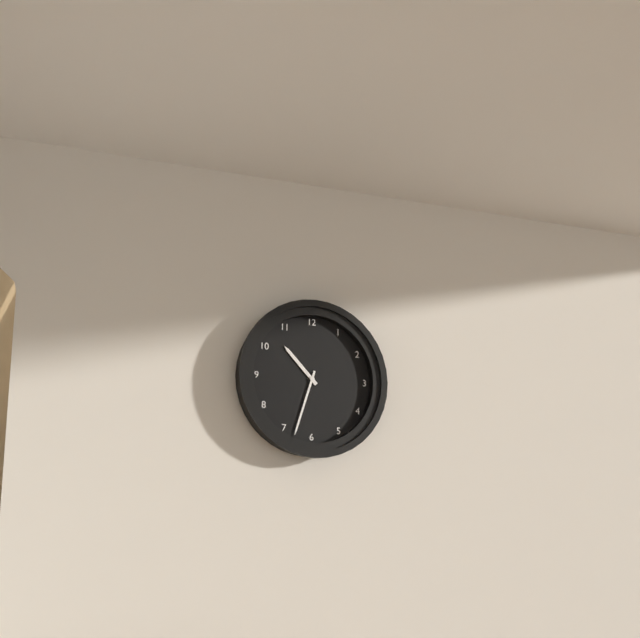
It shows 10,33
